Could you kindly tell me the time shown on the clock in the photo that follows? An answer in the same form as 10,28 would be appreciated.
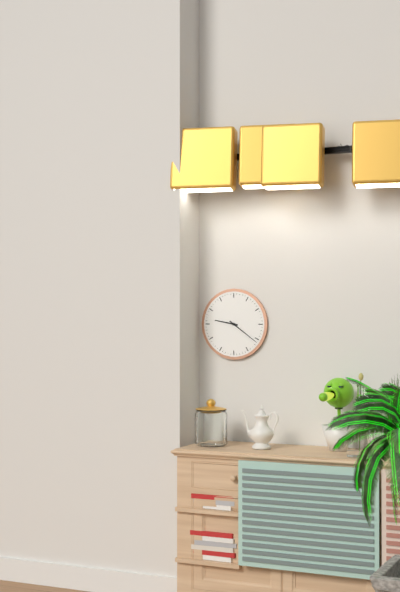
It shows 9,21
